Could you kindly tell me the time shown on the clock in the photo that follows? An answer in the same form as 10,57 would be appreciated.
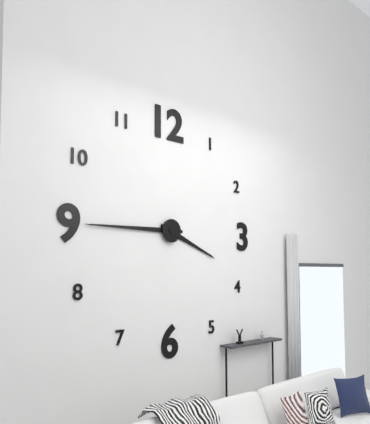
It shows 3,45
